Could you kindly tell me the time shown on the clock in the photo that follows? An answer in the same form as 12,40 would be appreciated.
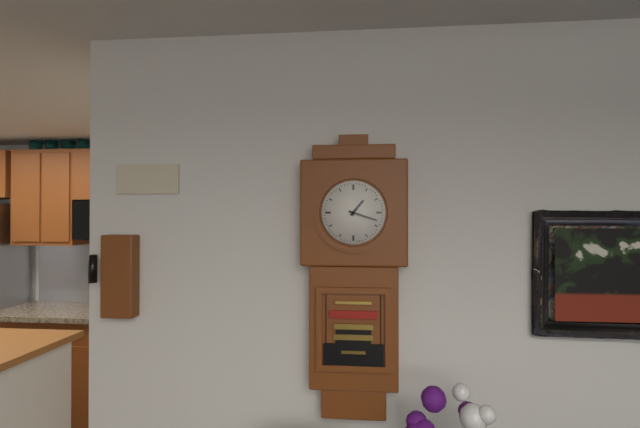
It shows 1,18
